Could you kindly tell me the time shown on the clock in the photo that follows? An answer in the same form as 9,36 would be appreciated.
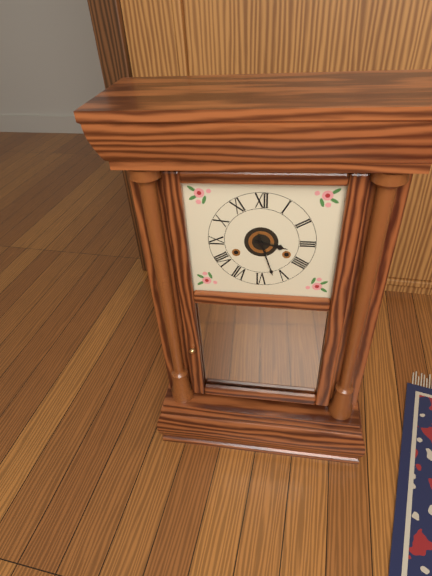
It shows 3,27
